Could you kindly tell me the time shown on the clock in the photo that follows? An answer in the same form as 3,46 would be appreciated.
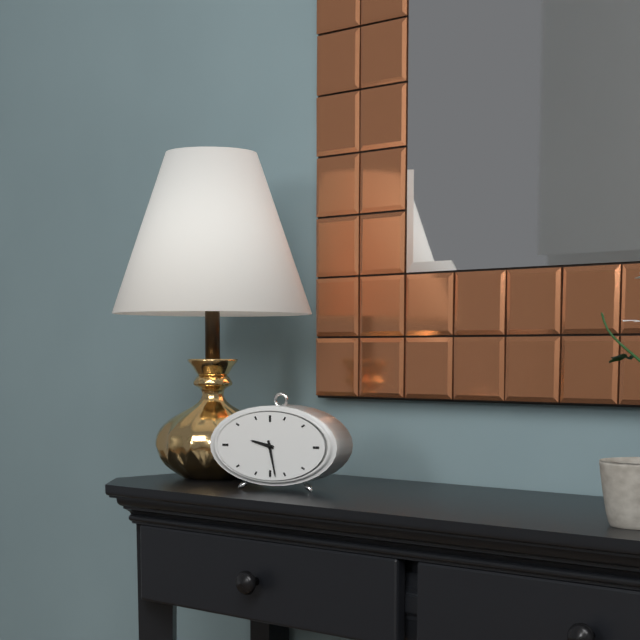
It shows 9,28
